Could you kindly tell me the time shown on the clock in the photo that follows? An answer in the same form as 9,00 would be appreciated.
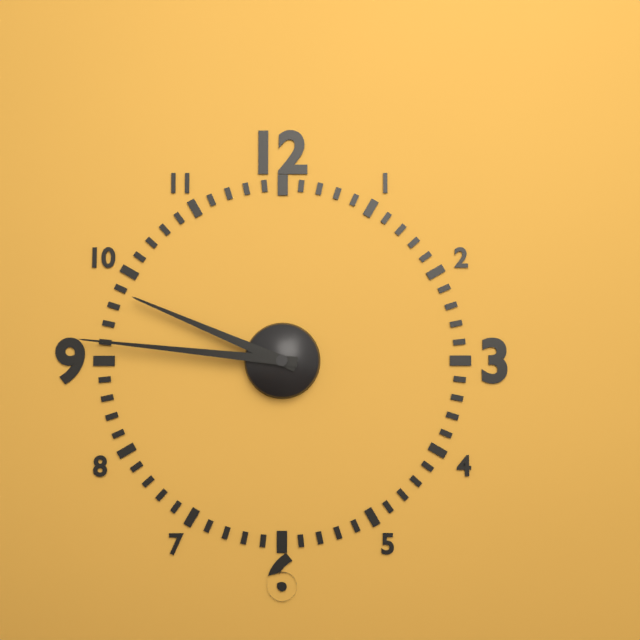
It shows 9,46
